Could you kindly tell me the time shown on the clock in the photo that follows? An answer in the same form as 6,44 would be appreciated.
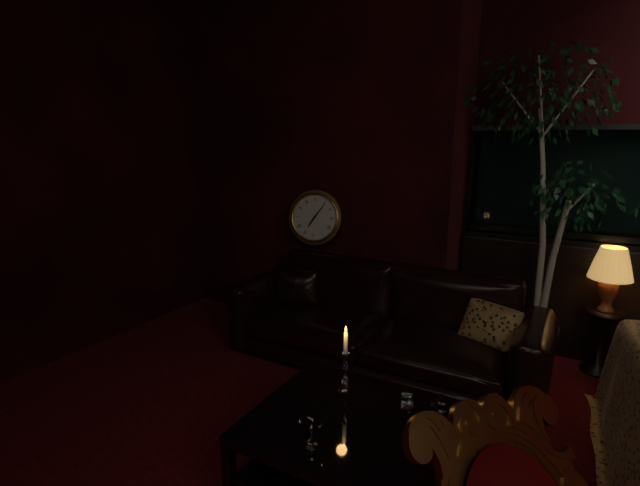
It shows 7,06
